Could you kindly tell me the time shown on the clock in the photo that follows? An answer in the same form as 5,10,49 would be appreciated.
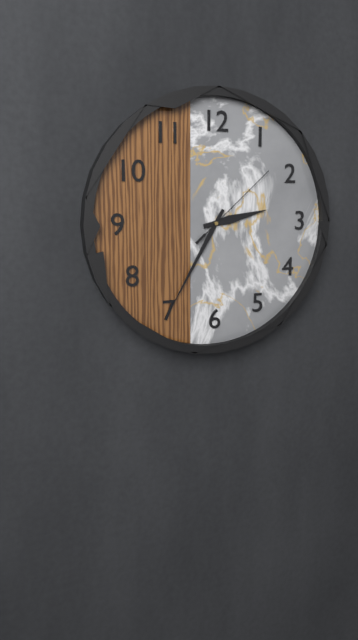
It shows 2,35,08
